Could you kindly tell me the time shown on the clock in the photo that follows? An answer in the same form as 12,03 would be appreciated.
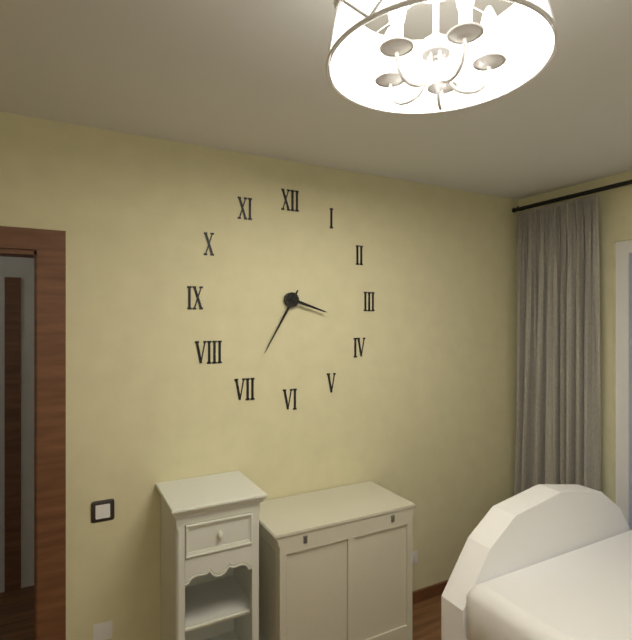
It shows 3,35
